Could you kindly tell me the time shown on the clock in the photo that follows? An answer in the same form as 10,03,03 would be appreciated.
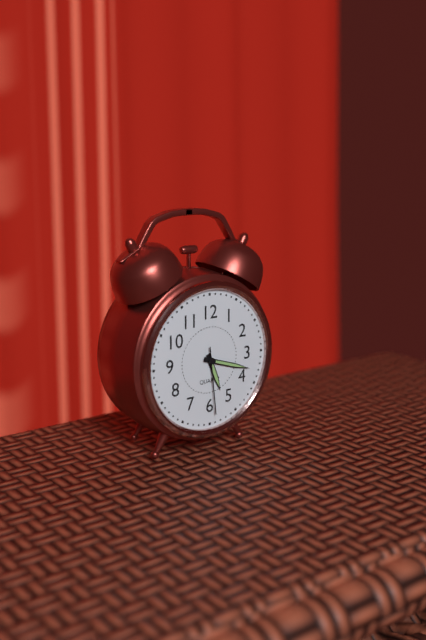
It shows 5,18,29
